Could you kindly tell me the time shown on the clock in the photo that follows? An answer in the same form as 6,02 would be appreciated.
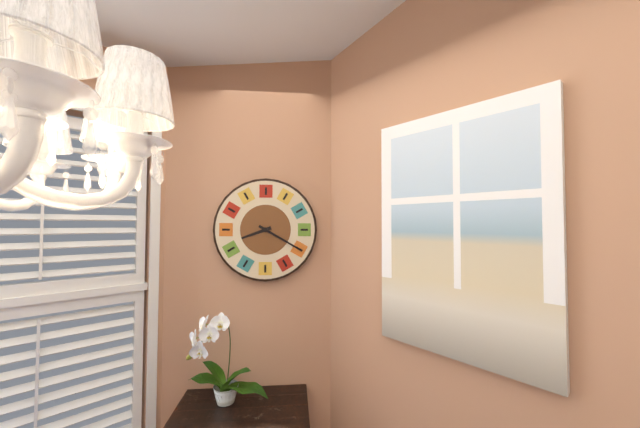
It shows 8,20
